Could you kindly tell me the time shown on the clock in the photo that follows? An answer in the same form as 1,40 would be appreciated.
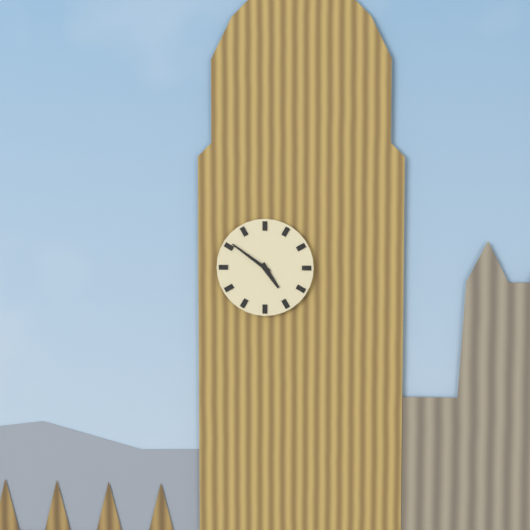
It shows 4,51
